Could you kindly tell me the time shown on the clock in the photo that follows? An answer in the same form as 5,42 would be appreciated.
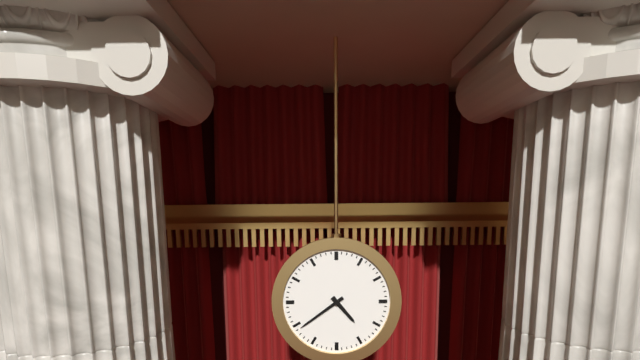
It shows 4,39
